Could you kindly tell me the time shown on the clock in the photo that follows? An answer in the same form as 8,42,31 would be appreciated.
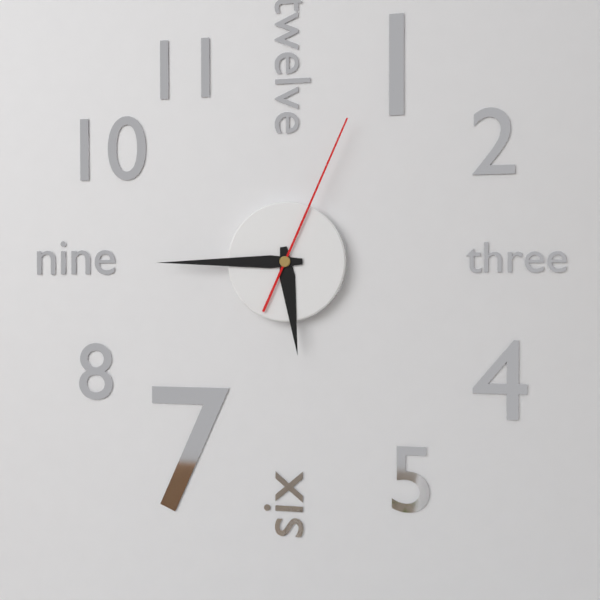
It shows 5,45,04
